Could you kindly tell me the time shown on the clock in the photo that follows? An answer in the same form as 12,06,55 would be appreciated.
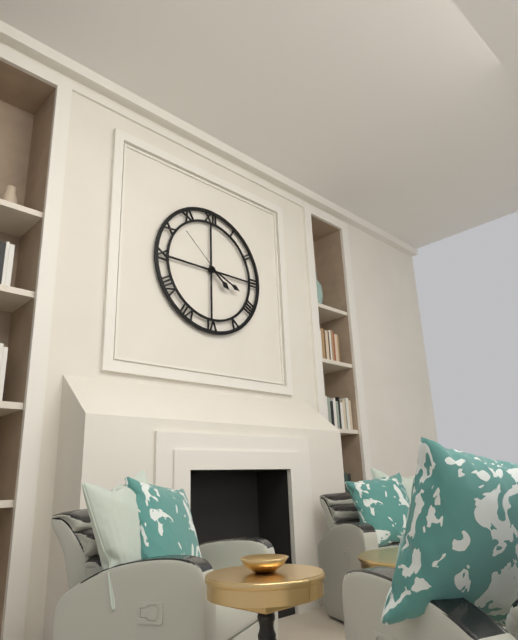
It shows 4,19,52
